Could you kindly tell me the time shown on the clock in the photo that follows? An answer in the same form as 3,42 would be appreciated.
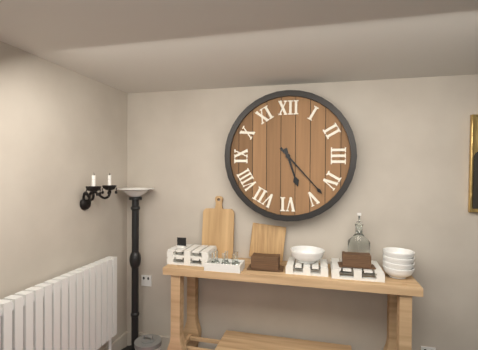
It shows 5,23
